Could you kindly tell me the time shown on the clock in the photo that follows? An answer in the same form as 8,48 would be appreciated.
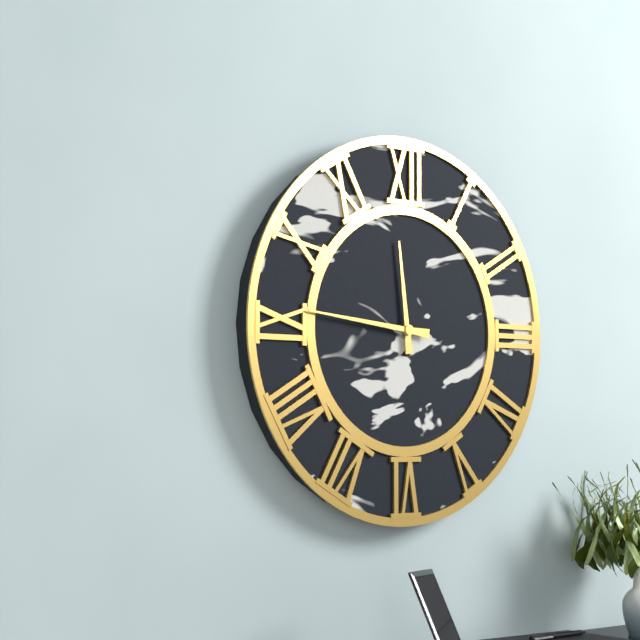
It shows 11,46
